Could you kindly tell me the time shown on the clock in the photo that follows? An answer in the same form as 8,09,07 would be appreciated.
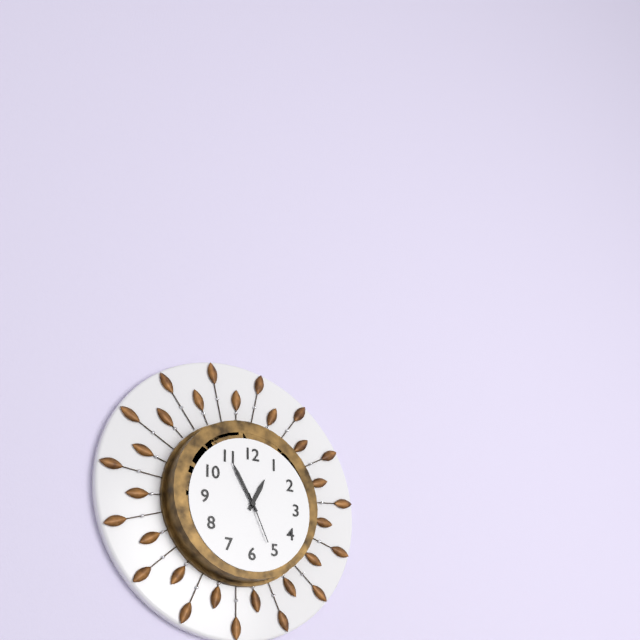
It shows 12,55,26
